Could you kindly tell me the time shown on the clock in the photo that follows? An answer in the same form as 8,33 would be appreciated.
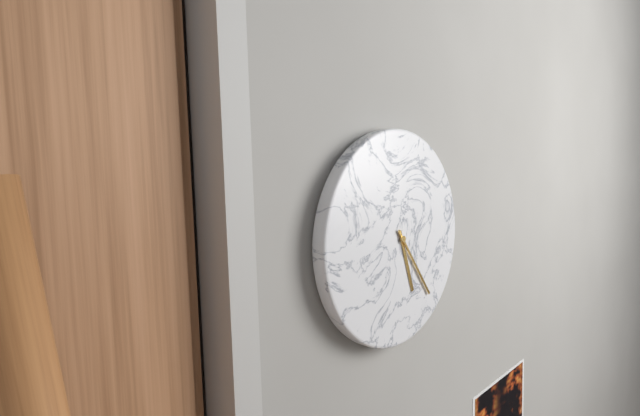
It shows 5,24
